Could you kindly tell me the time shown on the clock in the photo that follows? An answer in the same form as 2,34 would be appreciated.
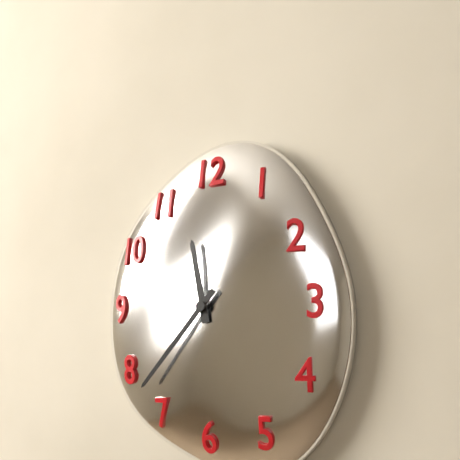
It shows 11,37
